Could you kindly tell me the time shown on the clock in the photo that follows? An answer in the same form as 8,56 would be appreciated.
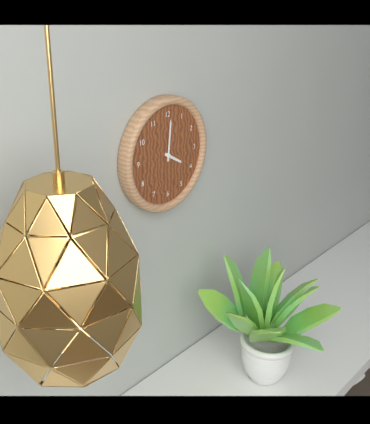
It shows 4,01
